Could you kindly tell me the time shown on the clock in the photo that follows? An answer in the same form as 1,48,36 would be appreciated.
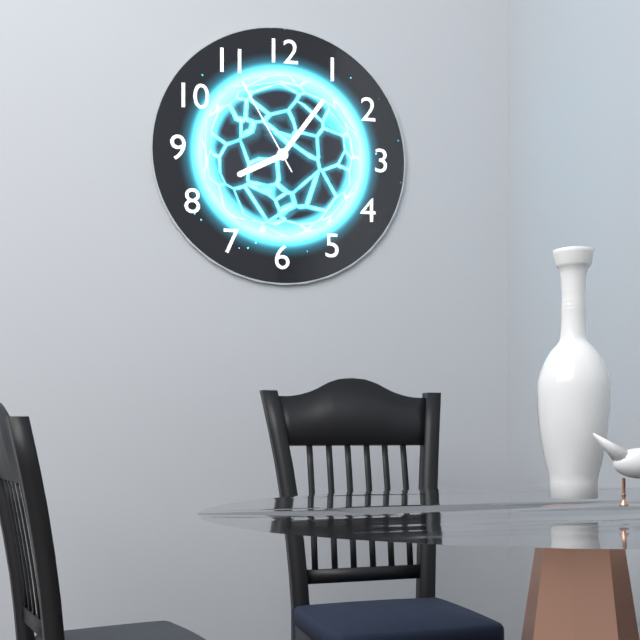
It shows 8,06,55
